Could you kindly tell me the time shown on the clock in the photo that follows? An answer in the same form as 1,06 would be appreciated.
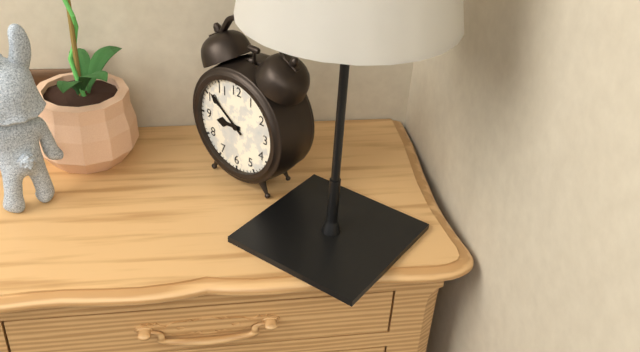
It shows 8,51
